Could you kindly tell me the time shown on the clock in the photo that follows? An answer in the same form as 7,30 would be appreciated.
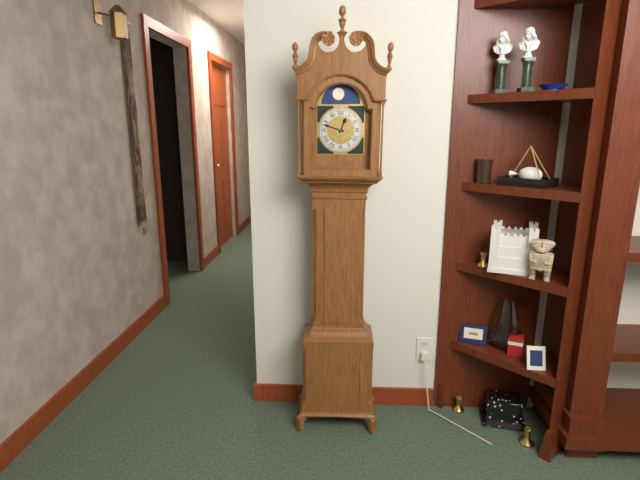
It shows 12,48
